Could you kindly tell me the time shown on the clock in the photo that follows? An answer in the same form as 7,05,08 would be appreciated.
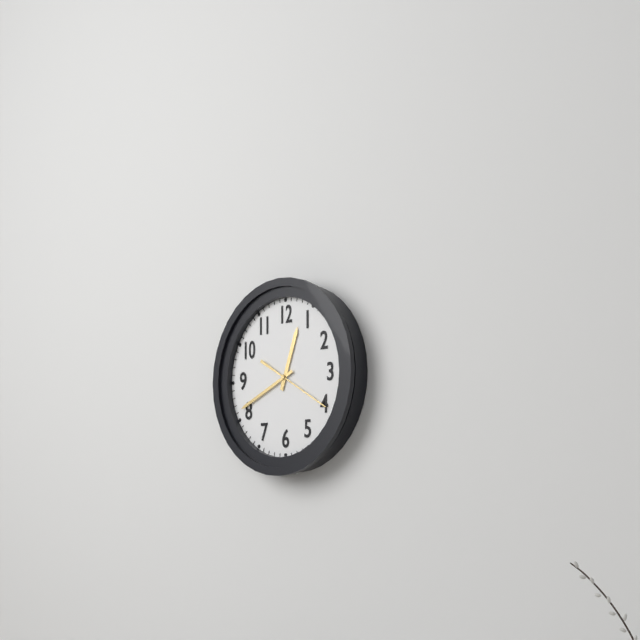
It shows 12,41,20
